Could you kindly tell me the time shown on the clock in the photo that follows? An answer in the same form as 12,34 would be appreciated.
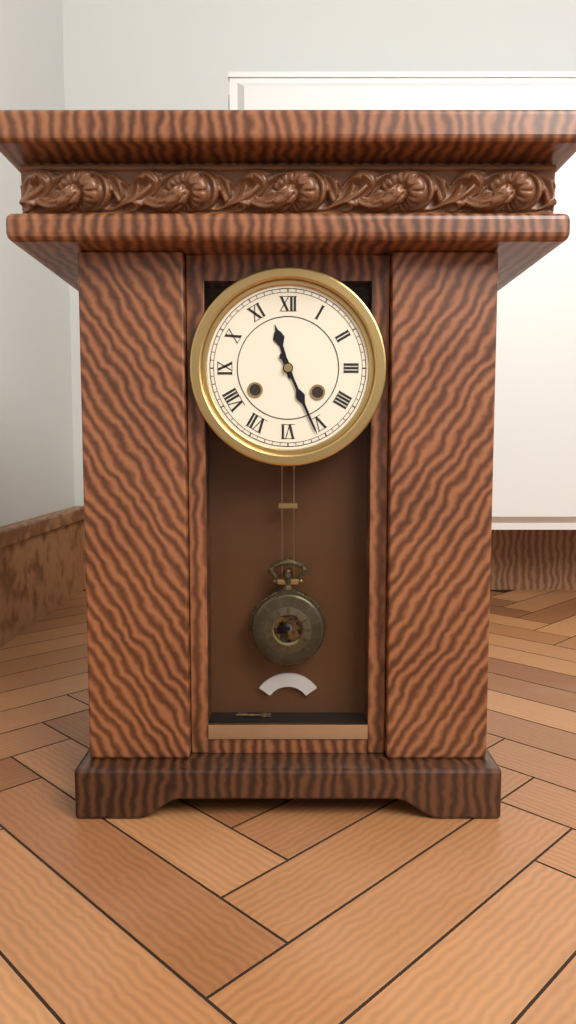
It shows 11,26
